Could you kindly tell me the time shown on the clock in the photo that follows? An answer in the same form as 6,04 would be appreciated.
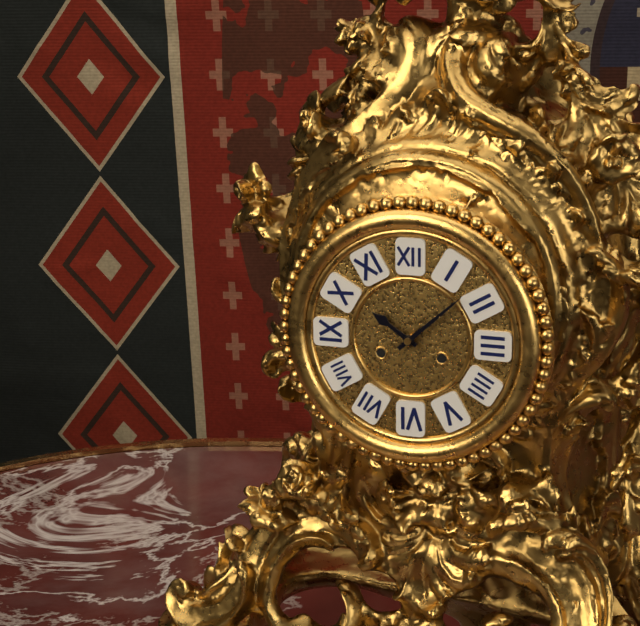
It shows 10,08
